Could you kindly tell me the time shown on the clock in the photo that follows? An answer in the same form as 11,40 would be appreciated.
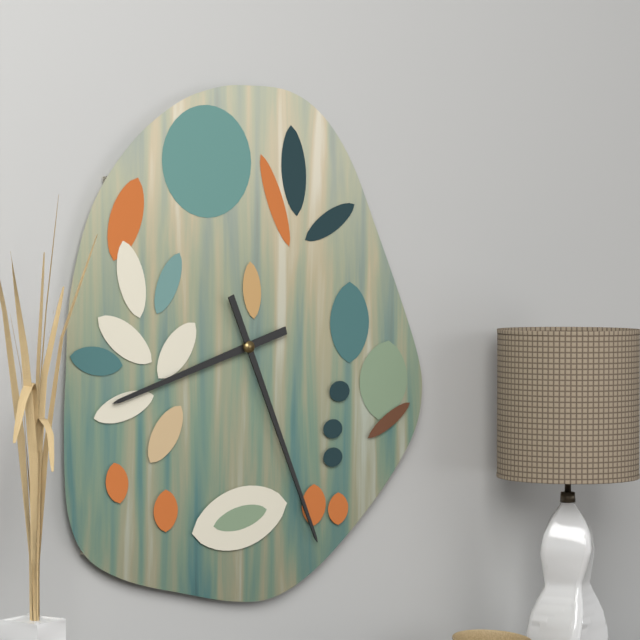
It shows 8,26
